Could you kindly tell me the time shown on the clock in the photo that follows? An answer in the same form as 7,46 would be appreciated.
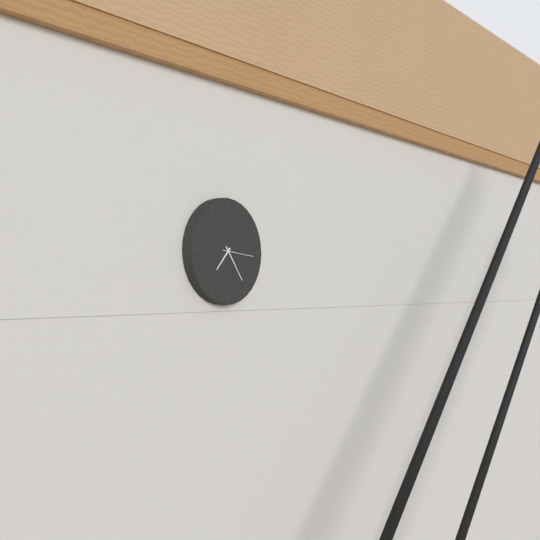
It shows 7,24
